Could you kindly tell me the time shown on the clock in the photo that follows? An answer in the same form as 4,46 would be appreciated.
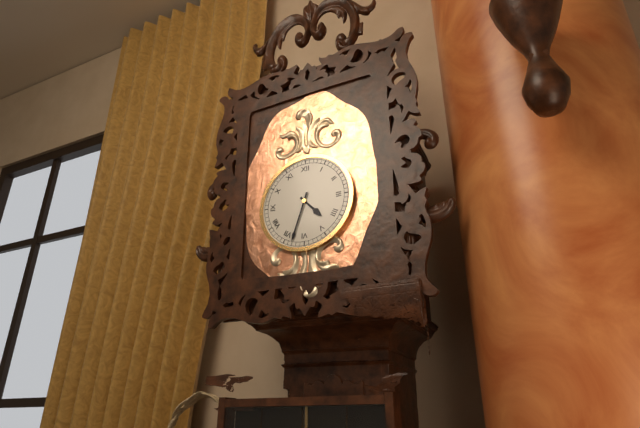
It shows 4,33
